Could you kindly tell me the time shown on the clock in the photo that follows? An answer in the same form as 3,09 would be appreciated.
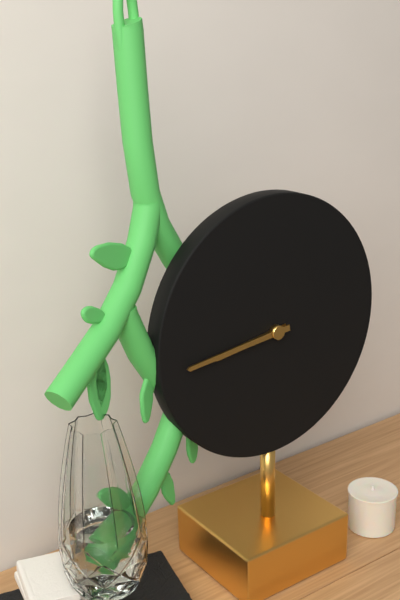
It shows 8,44
